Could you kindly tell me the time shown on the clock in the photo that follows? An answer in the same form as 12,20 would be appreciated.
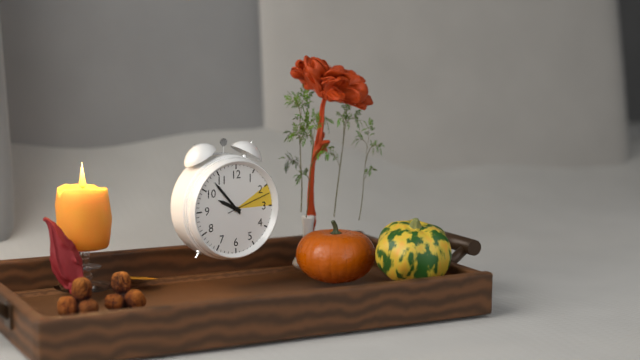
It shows 9,53
